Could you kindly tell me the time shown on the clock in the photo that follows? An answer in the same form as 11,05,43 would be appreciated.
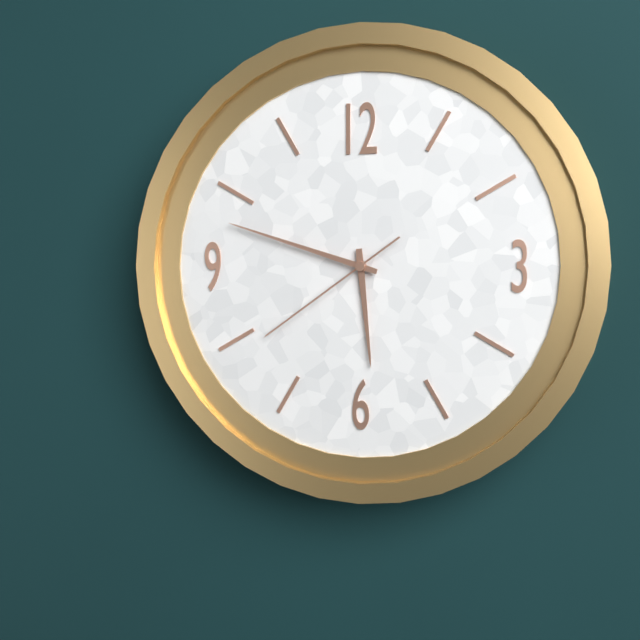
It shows 5,48,39
